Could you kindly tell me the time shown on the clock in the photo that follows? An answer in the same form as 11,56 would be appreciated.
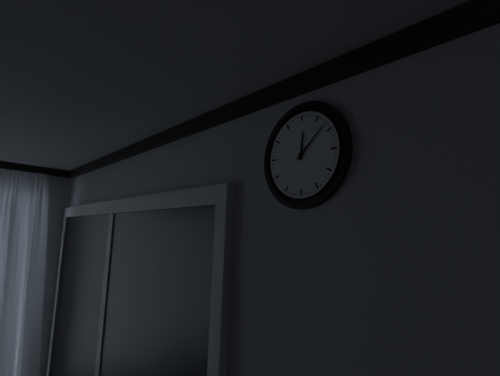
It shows 12,08
